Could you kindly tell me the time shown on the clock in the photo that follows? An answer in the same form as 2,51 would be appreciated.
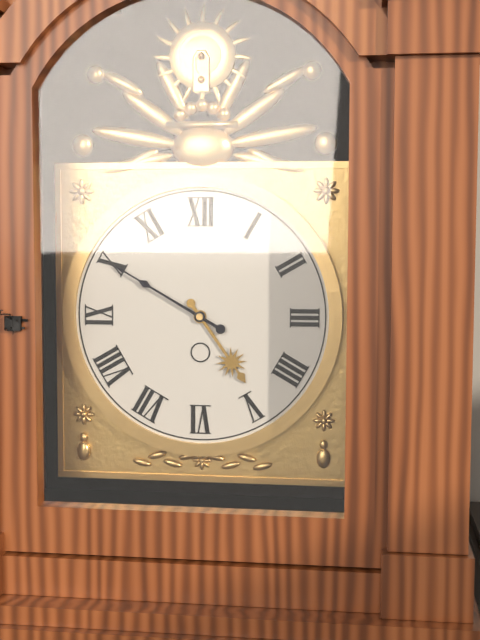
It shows 4,50
